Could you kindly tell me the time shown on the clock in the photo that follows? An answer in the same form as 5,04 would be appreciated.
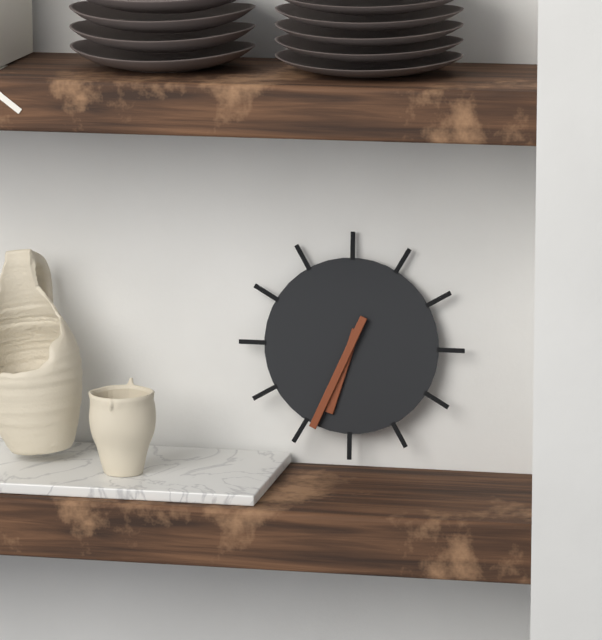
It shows 6,34
